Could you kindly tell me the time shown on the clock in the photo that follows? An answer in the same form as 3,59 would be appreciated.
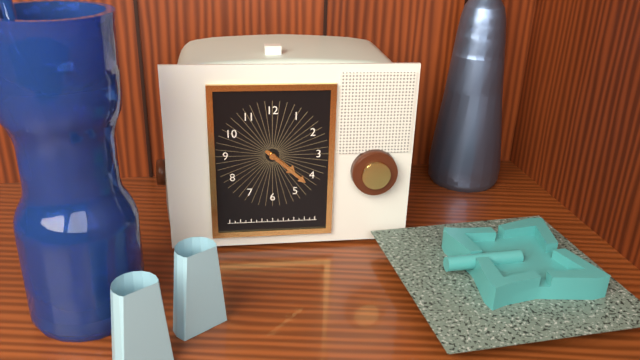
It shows 4,22
